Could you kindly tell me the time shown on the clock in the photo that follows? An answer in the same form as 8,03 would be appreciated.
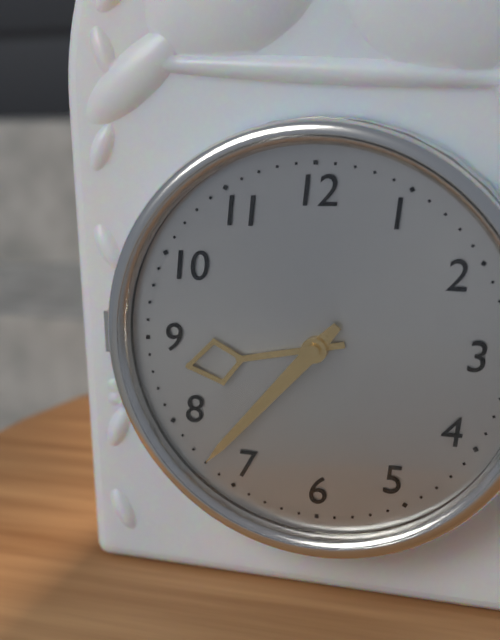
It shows 8,37
